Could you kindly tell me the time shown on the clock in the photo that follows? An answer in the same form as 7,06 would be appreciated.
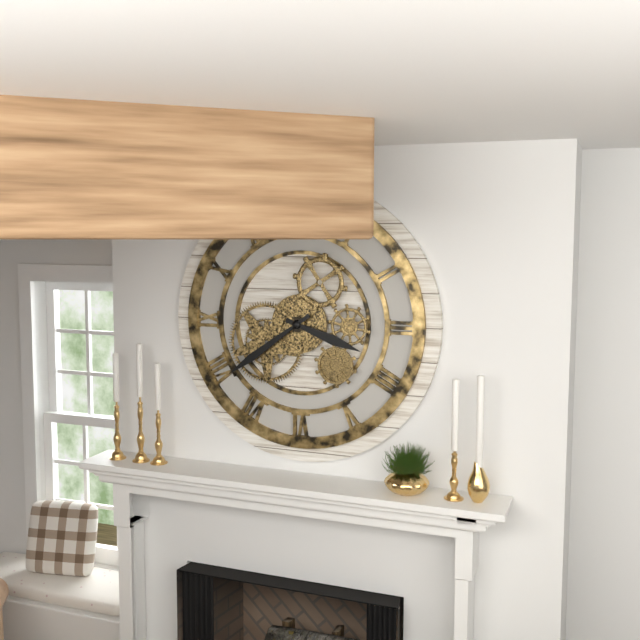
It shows 3,39
